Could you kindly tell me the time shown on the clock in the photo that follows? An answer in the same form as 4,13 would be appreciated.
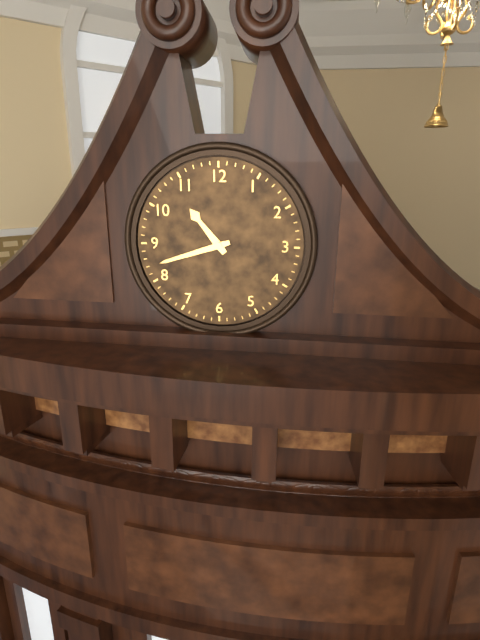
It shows 10,42
